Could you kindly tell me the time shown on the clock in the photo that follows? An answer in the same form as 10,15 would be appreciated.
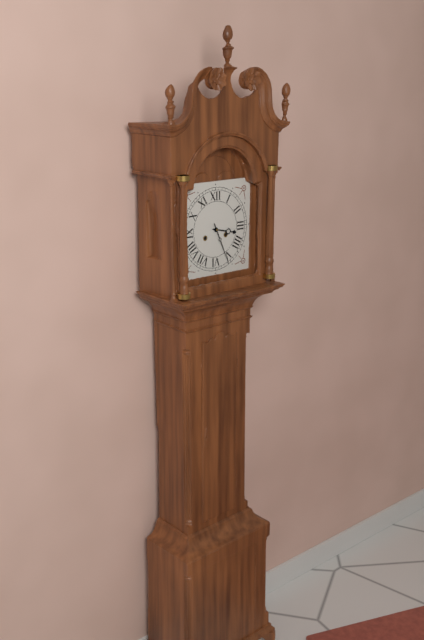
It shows 3,26
